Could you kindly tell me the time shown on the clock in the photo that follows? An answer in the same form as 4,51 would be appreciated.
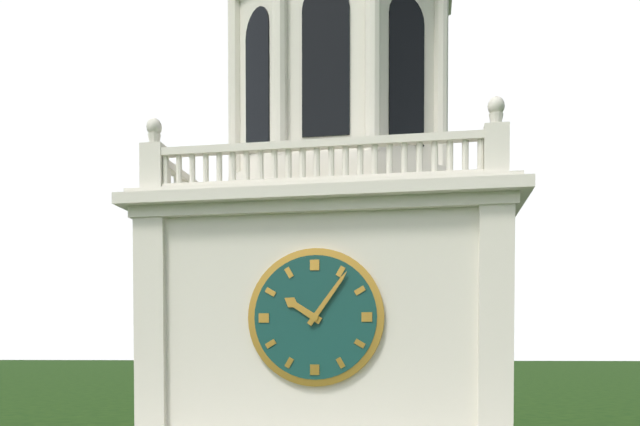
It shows 10,06
